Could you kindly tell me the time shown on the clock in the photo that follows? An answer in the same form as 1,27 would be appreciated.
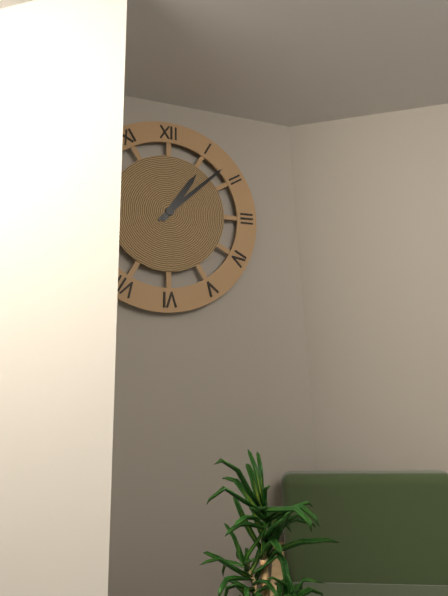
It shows 1,08
